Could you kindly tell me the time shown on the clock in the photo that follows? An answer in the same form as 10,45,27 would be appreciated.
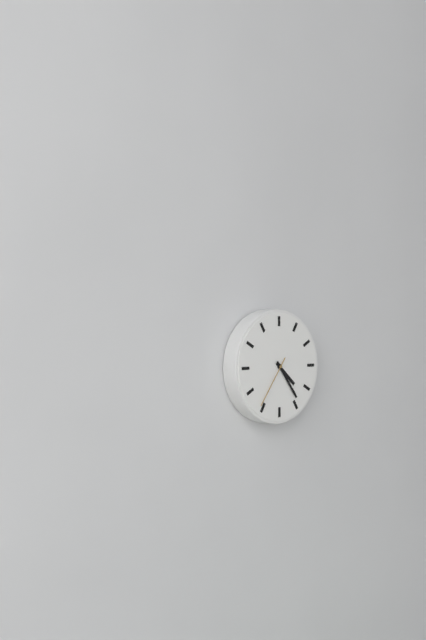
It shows 4,24,36
